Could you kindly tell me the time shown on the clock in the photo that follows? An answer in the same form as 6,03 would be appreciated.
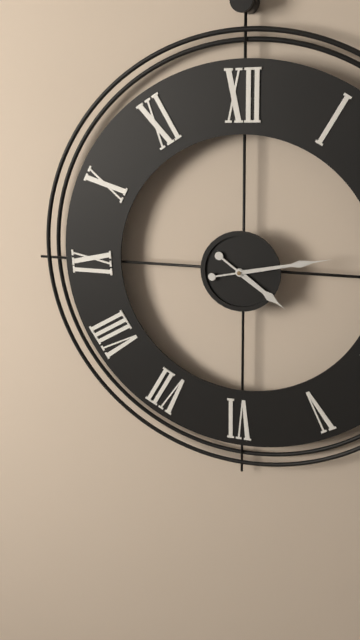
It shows 4,13
